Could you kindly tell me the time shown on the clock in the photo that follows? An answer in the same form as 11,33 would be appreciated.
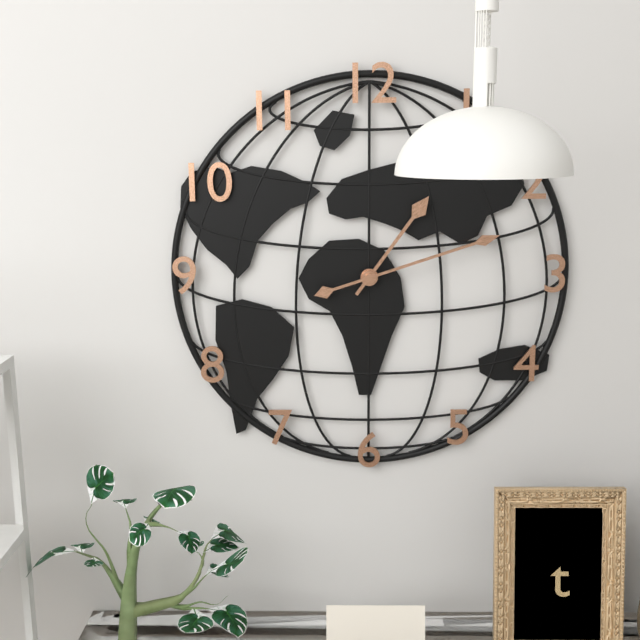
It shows 1,12
